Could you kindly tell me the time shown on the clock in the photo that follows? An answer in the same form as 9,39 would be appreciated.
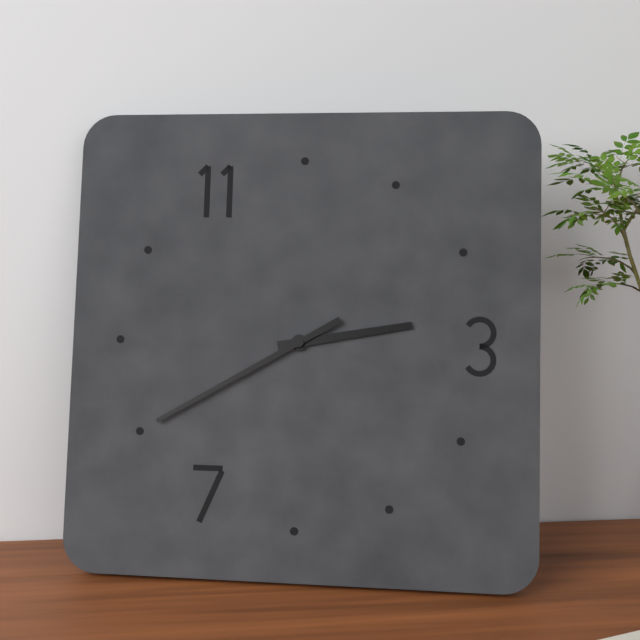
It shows 2,40
